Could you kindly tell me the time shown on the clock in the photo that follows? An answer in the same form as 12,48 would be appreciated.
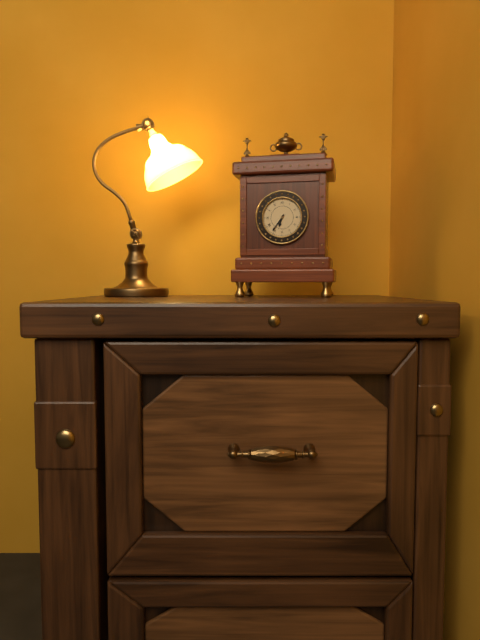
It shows 6,36
